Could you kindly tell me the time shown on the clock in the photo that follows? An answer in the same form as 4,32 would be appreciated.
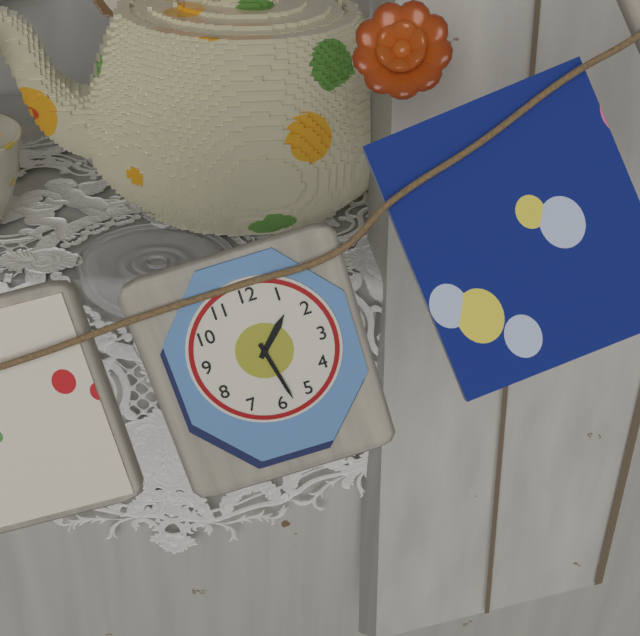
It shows 1,28
